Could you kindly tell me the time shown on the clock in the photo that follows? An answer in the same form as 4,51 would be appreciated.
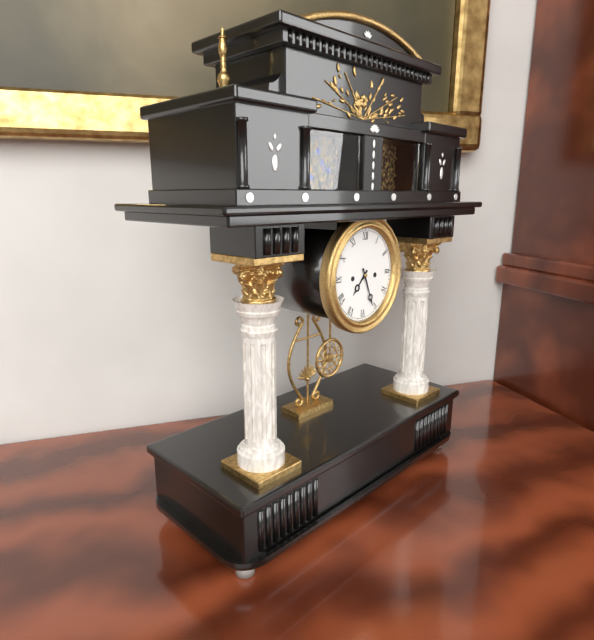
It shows 7,26
